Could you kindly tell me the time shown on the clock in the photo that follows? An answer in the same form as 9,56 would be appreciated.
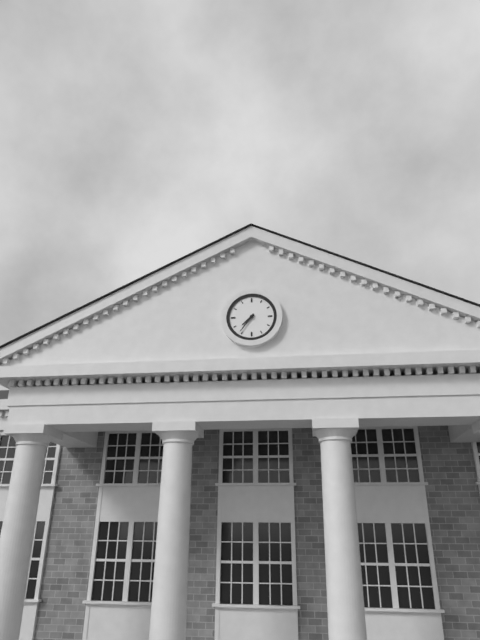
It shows 7,36
